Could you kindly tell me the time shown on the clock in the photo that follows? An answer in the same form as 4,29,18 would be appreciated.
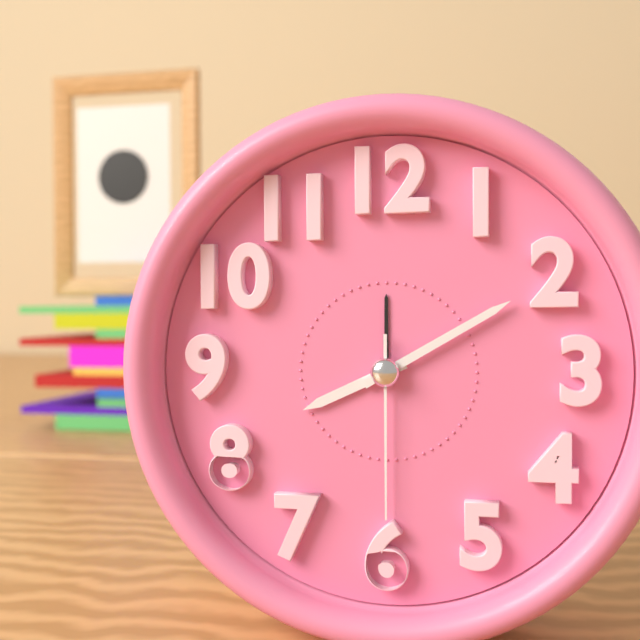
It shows 8,10,30
